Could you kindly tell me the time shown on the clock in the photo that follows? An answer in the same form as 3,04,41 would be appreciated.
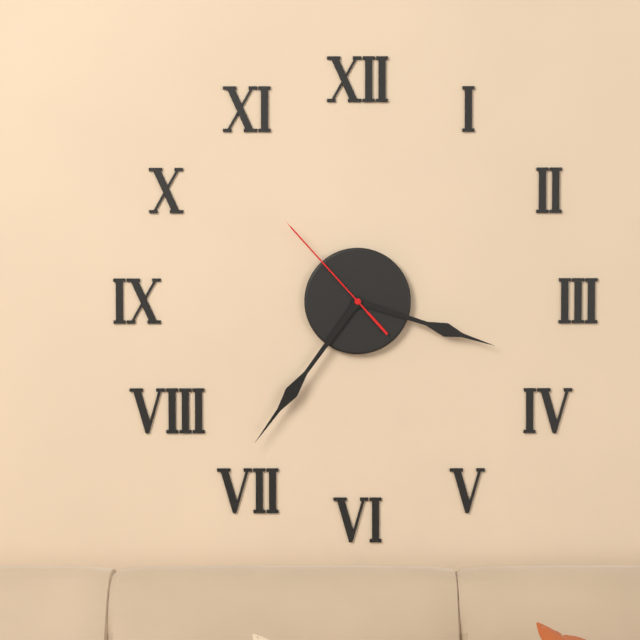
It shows 3,36,53
